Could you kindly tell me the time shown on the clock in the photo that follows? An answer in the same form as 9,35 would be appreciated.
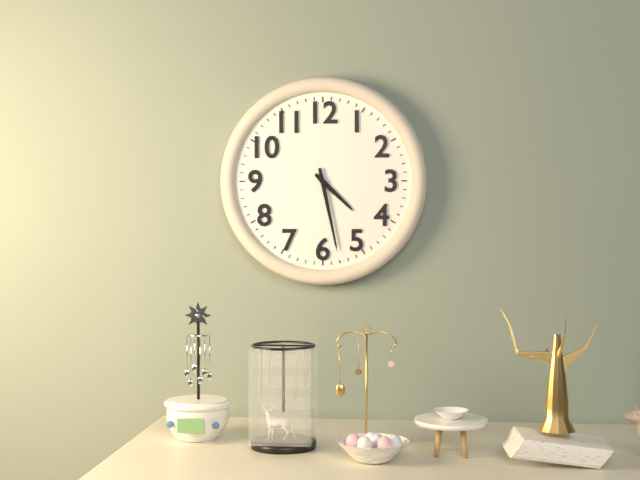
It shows 4,28
